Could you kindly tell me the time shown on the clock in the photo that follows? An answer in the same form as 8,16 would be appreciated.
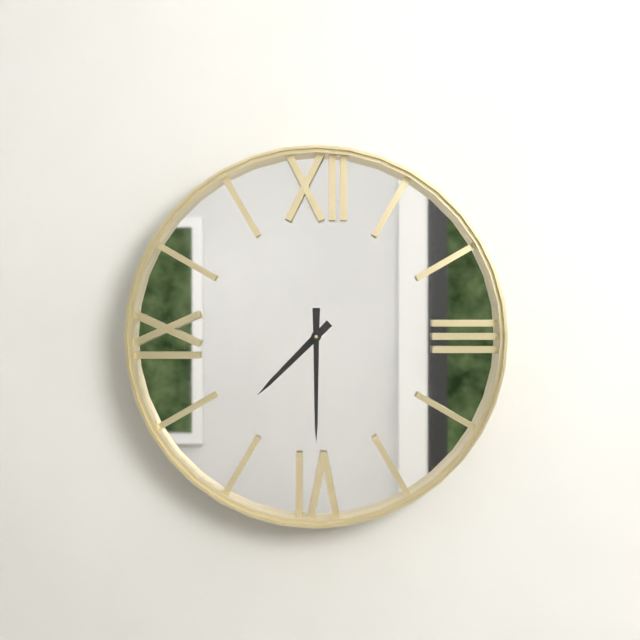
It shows 7,30
